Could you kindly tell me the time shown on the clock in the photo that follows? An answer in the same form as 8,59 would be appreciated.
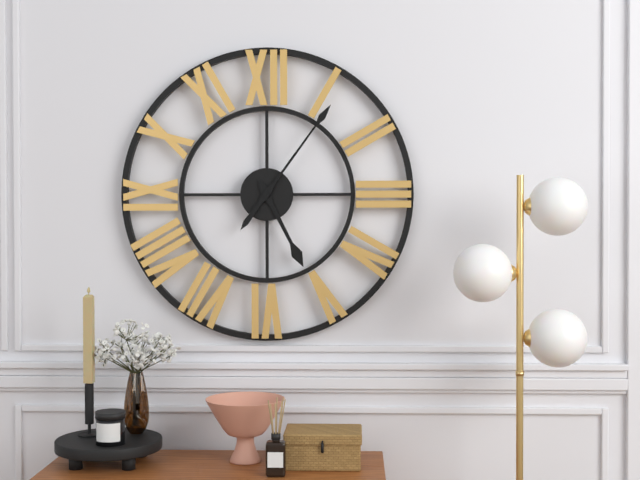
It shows 5,06
